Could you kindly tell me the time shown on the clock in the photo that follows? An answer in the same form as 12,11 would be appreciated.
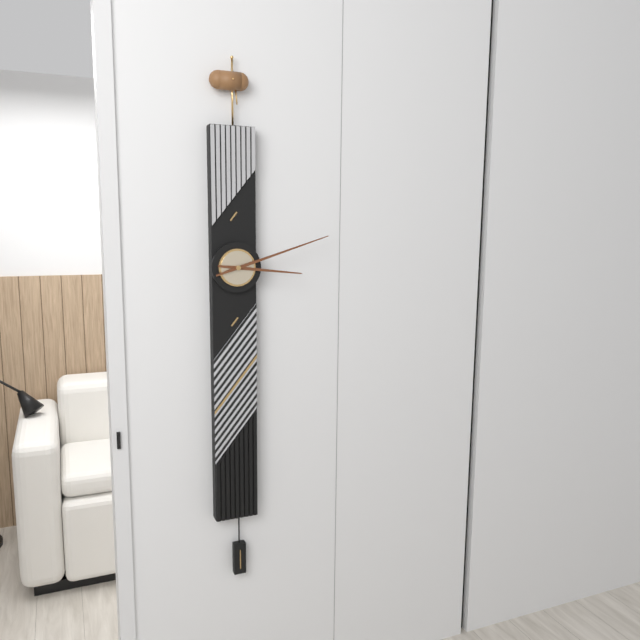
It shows 3,12
